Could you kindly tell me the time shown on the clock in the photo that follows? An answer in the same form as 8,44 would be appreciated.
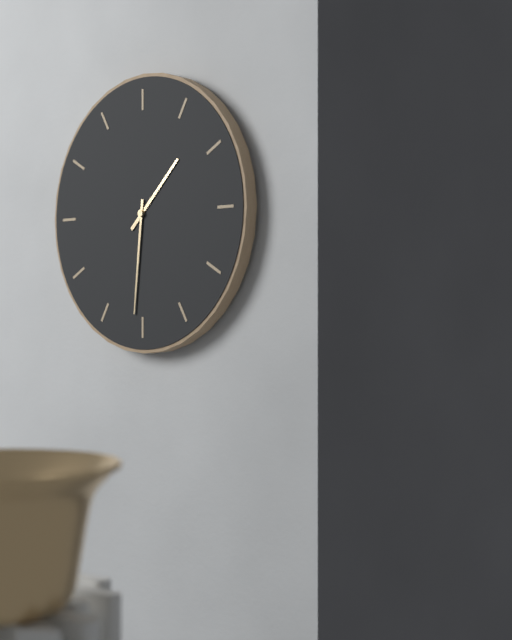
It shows 1,31
